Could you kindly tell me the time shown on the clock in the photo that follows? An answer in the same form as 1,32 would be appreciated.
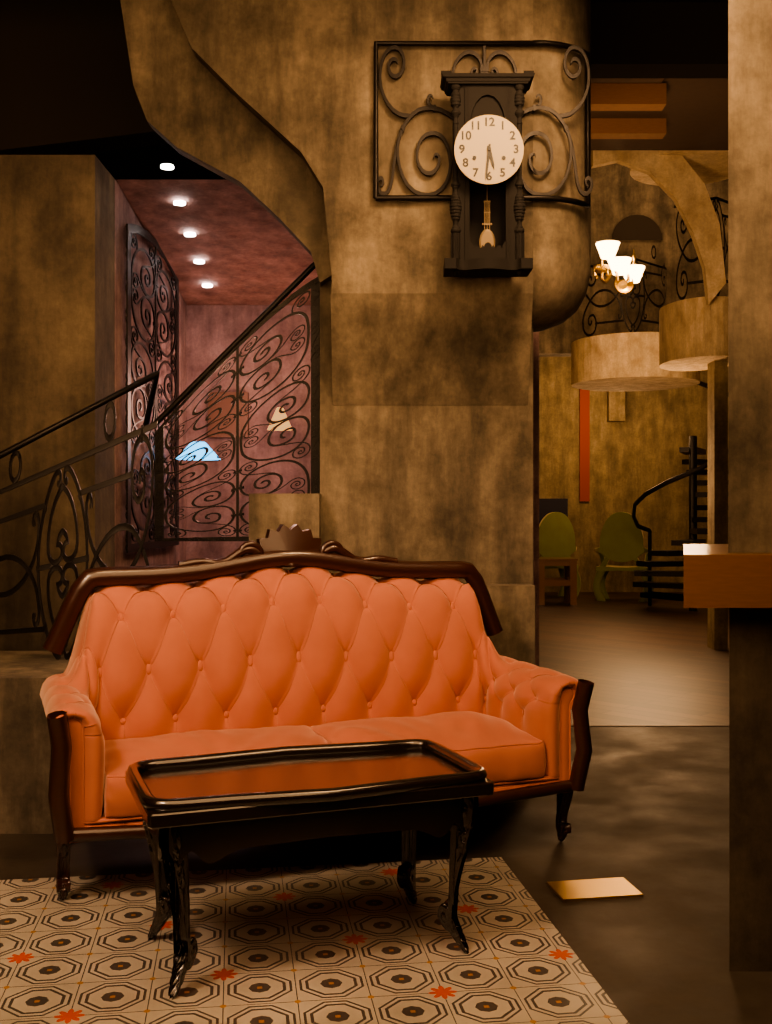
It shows 5,31
